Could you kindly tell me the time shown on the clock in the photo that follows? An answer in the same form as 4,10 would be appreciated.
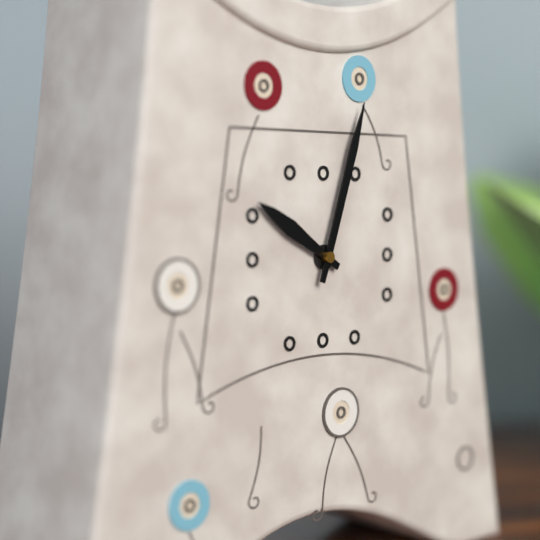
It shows 10,03
